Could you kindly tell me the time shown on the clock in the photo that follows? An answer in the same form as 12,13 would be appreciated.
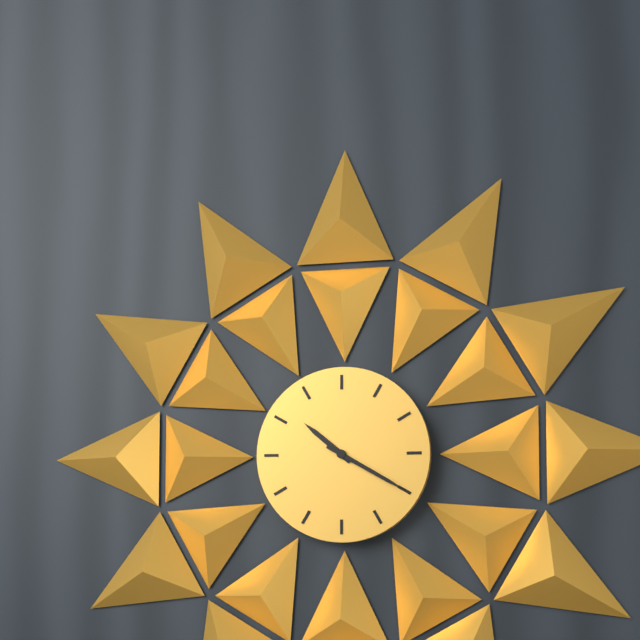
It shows 10,20
